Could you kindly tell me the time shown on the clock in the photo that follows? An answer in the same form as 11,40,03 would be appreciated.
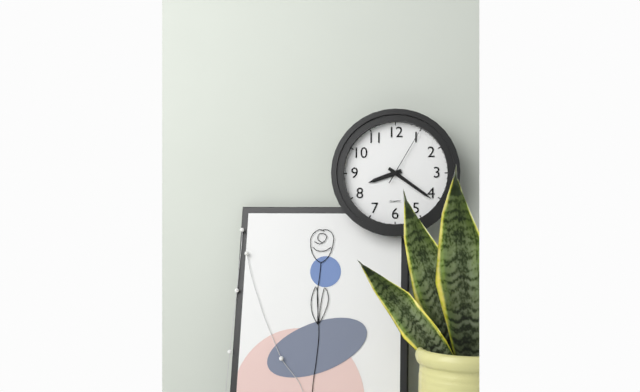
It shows 8,21,05
